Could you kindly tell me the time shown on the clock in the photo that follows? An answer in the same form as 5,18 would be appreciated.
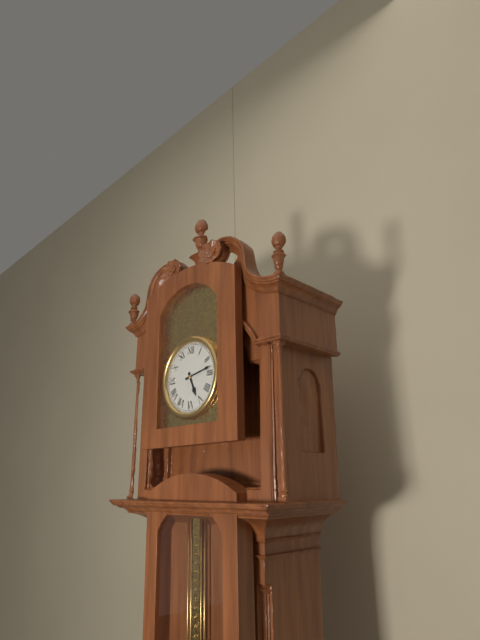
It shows 5,13
